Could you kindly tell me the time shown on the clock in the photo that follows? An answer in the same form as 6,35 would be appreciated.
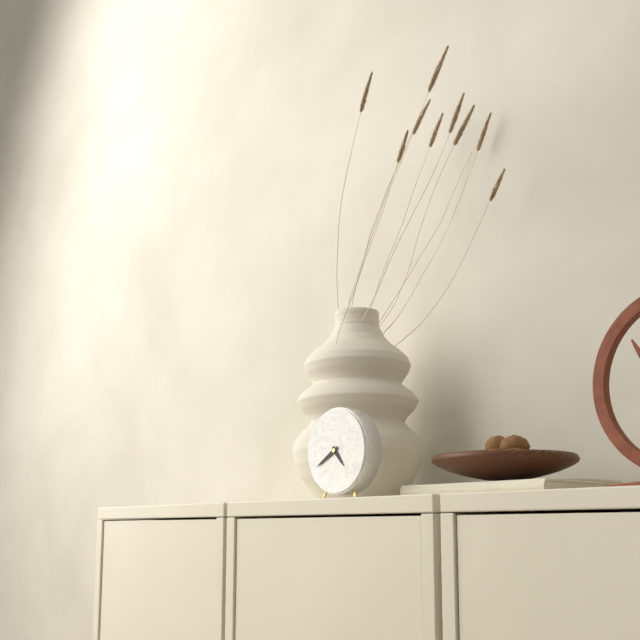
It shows 4,40
